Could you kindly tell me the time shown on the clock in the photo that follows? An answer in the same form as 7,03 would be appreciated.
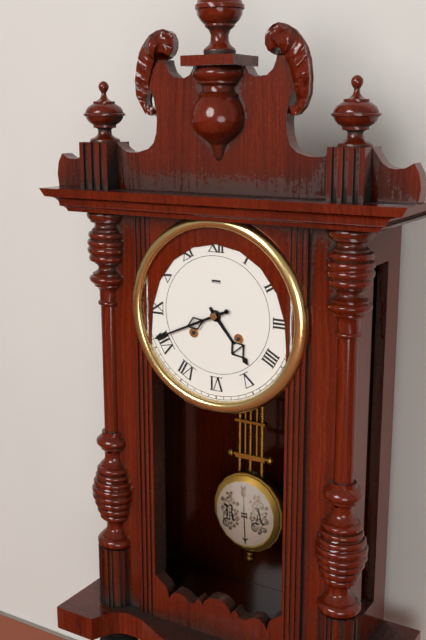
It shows 4,41
